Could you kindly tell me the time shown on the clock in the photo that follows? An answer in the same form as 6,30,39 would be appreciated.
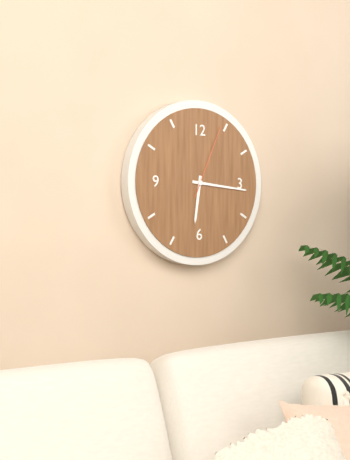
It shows 6,16,04
